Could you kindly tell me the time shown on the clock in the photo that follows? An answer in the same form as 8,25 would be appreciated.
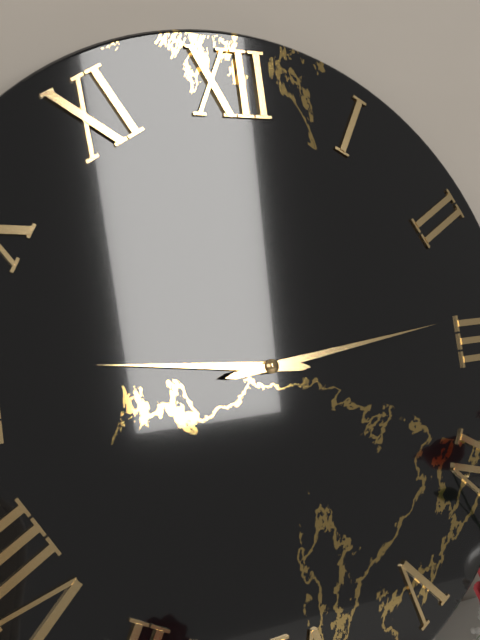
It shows 9,14
